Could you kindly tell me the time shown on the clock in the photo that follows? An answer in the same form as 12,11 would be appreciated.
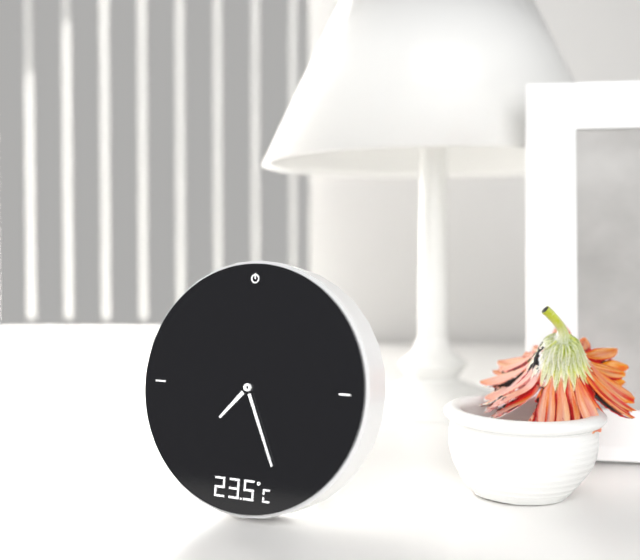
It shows 7,26
